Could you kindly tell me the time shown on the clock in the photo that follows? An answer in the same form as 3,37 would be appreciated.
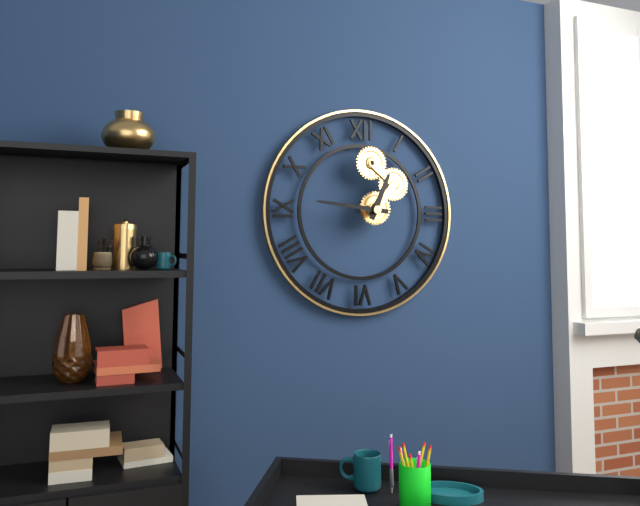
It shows 12,46
